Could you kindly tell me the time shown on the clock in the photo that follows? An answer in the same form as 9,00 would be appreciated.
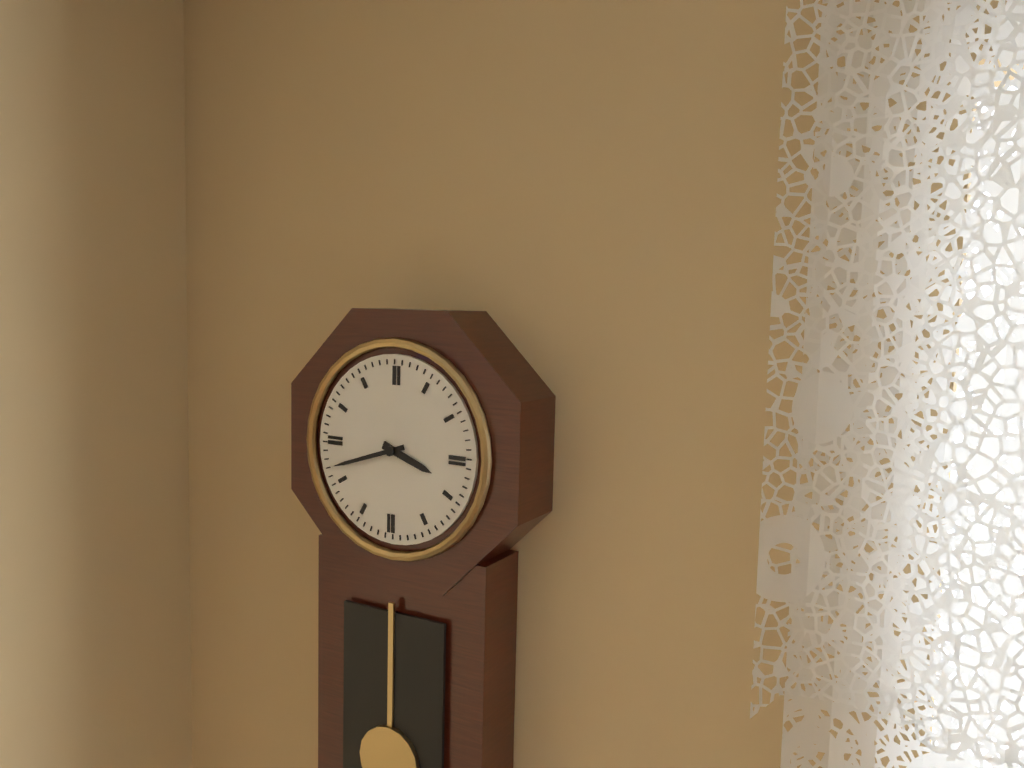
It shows 3,42
